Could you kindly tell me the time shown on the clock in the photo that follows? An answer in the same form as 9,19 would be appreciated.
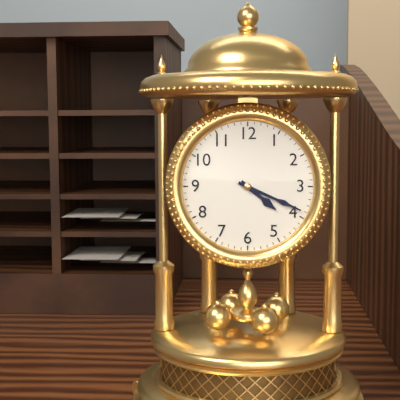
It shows 4,19
